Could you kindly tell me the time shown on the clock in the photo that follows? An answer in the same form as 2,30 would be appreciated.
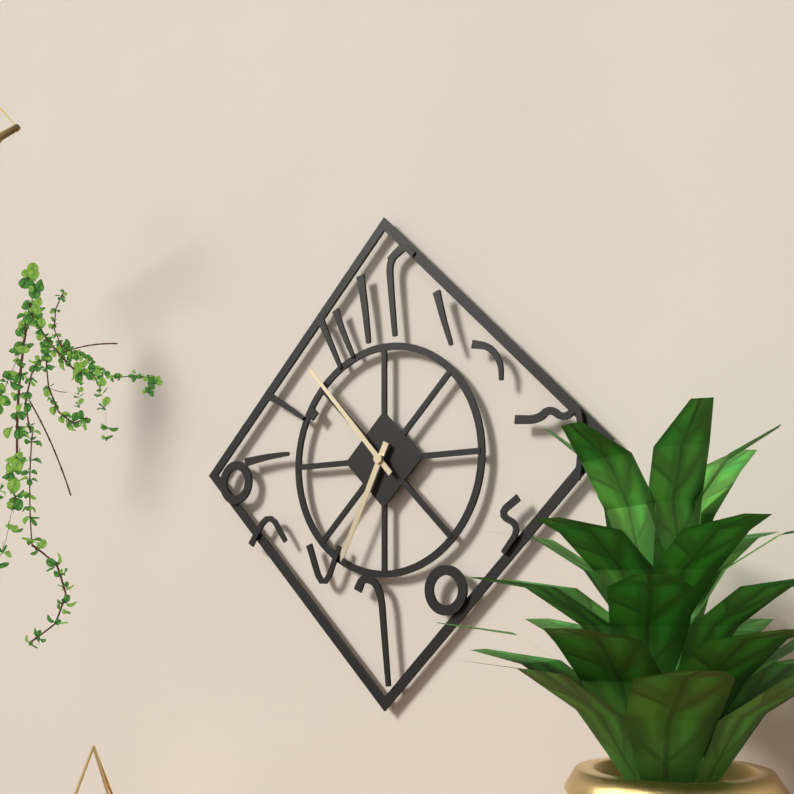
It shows 6,53
